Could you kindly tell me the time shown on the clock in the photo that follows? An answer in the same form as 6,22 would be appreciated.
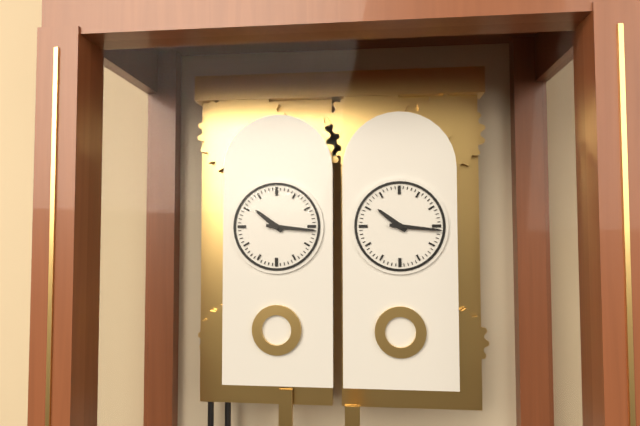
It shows 10,16
